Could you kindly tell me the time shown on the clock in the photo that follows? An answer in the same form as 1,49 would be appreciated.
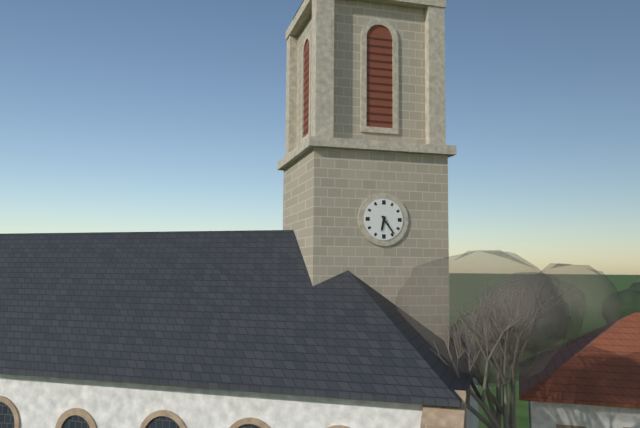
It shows 6,24
